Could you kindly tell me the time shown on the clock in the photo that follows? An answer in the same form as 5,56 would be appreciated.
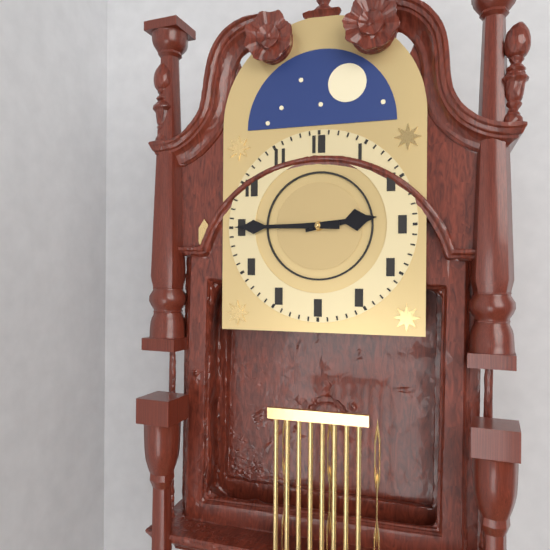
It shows 2,45
